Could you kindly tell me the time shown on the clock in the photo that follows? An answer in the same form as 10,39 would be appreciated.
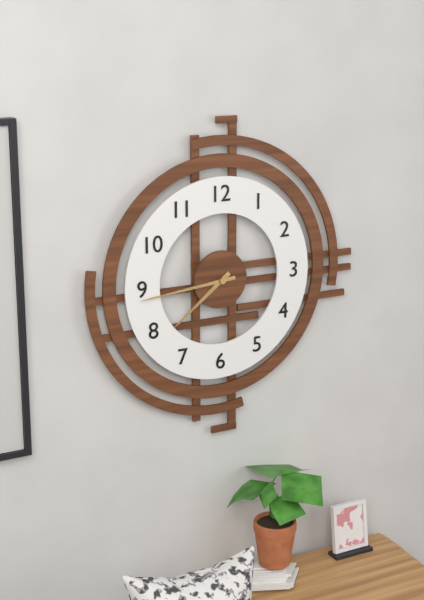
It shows 7,44
